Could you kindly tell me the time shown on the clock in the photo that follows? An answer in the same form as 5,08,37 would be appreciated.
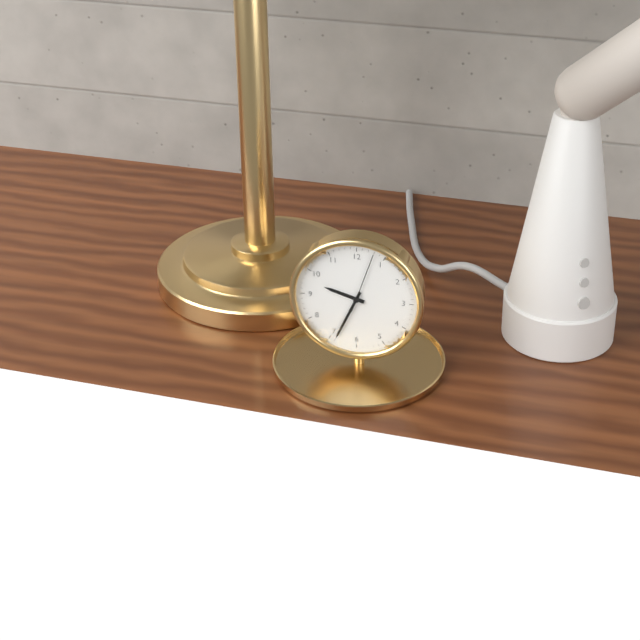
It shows 9,34,03
